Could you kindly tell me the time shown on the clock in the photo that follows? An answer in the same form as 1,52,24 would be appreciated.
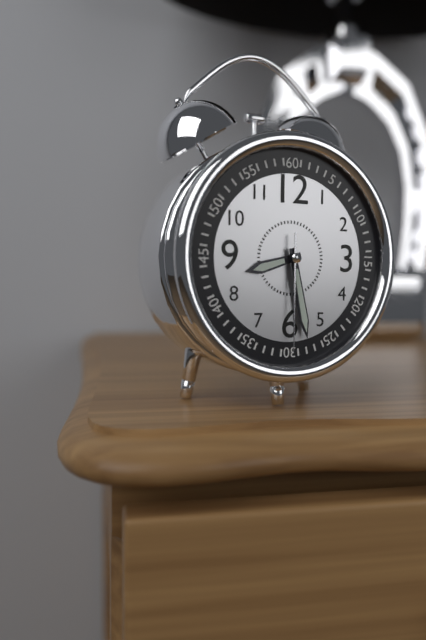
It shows 8,28,30
